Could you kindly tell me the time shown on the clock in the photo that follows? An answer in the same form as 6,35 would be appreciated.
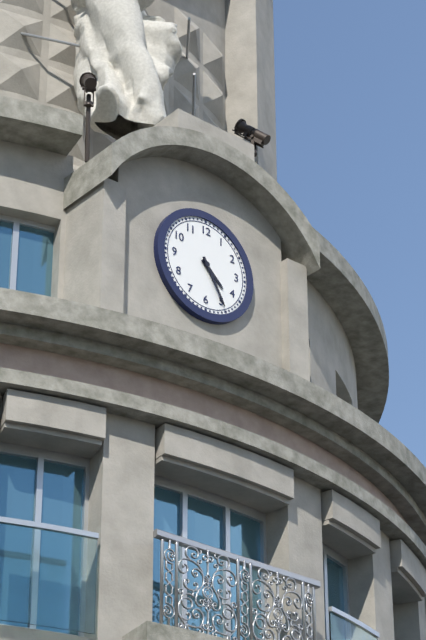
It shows 4,25
